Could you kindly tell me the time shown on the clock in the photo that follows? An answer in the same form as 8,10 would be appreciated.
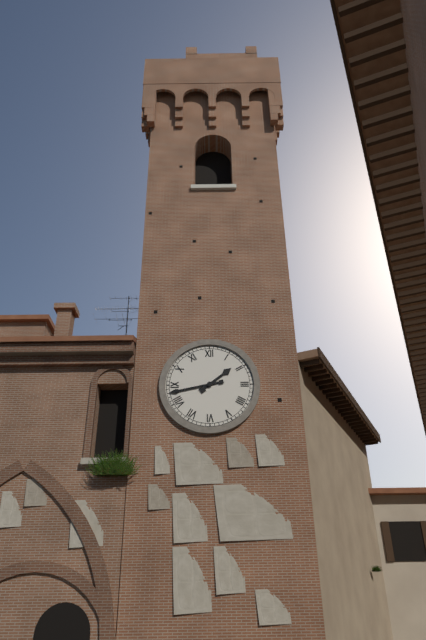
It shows 1,43
